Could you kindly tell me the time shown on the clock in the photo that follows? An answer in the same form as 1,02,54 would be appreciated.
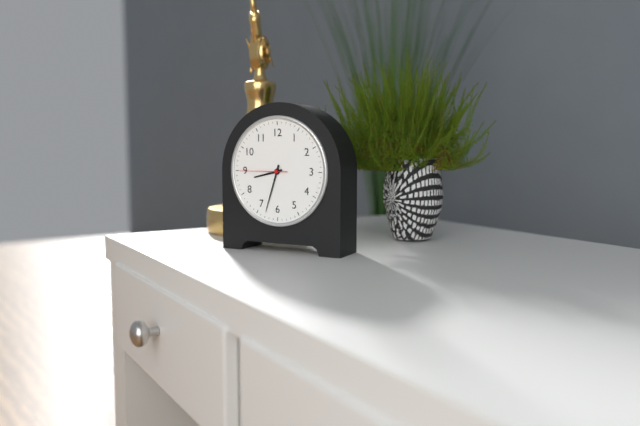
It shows 8,33,45
